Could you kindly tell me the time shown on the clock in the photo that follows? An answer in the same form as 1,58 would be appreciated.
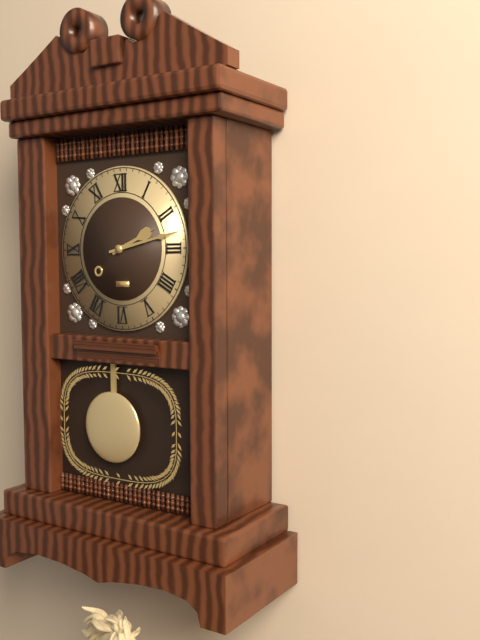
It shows 2,13
